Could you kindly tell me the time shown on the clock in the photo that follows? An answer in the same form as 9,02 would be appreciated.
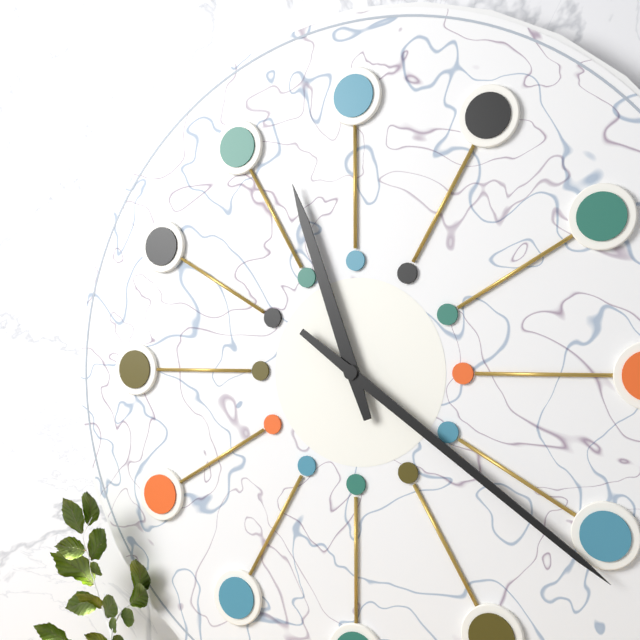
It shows 11,21
